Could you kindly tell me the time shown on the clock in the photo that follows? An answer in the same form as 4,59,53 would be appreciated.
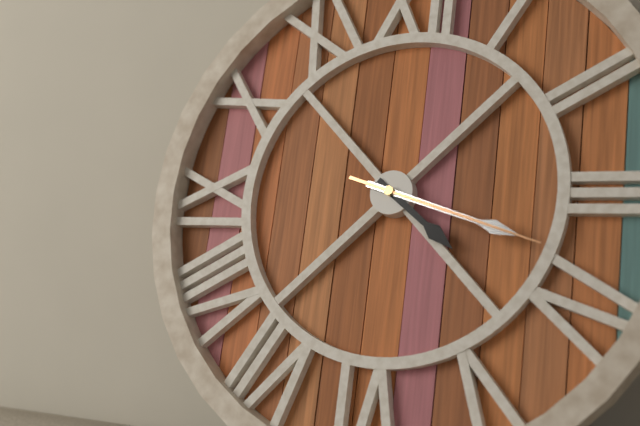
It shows 4,18,18
